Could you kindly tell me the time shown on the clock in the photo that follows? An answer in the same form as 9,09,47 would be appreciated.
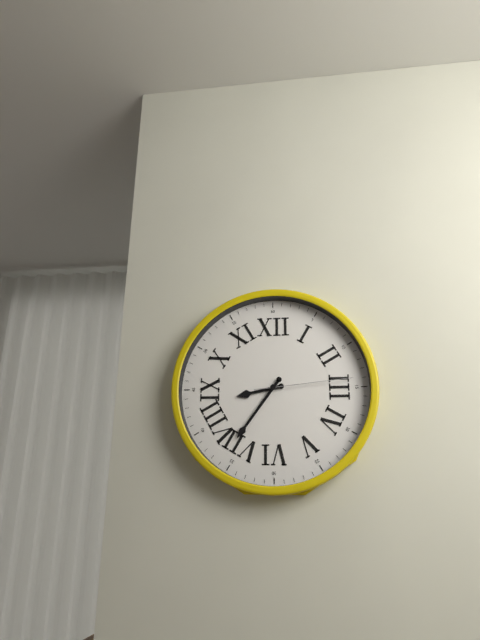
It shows 8,36,14
